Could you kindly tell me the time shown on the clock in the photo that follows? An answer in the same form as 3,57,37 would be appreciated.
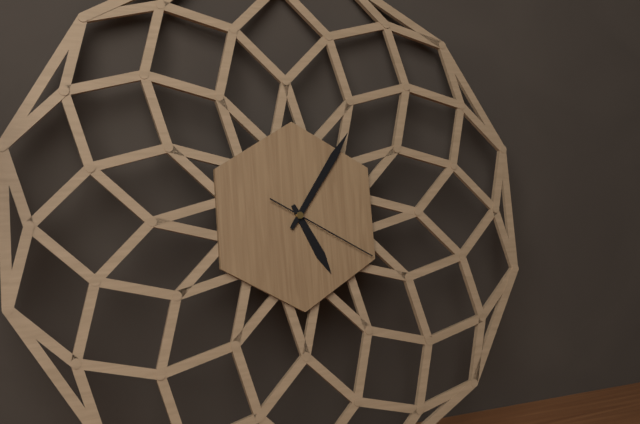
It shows 5,06,20
